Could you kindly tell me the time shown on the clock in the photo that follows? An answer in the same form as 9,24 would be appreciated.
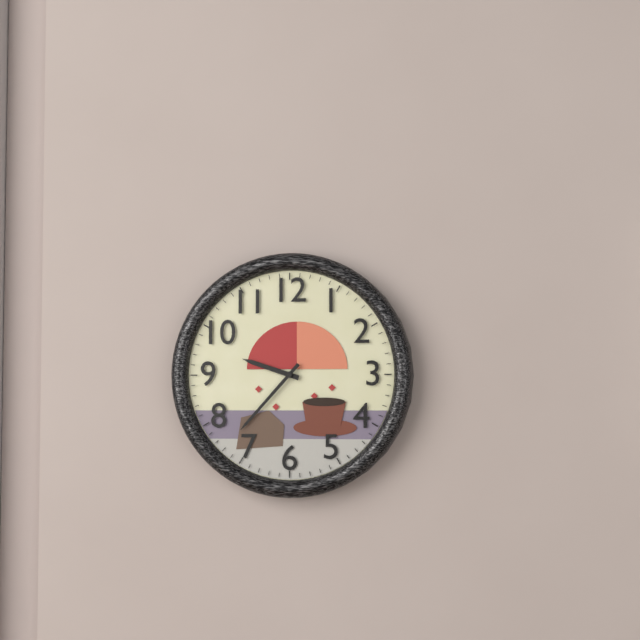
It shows 9,37
